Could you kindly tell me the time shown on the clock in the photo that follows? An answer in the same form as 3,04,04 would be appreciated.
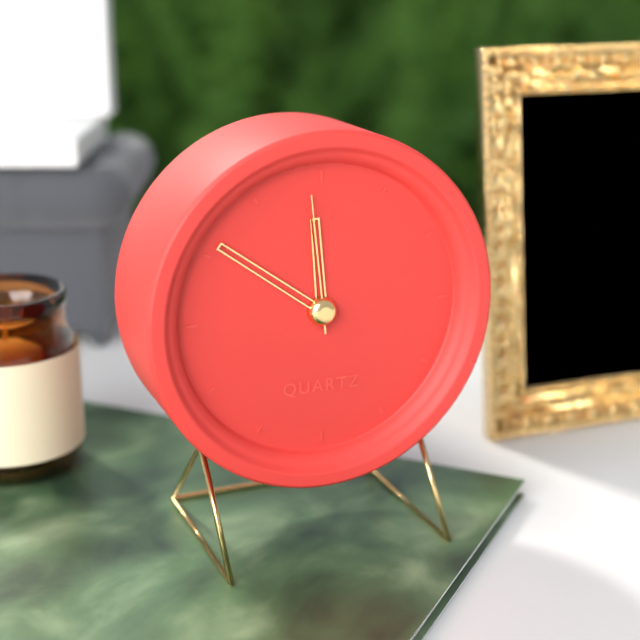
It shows 11,51,59
